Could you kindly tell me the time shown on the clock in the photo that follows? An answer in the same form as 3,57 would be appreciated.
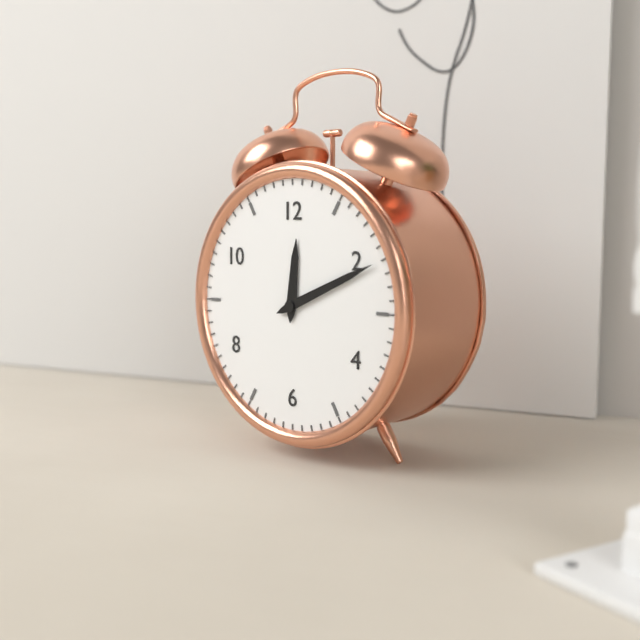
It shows 12,11
